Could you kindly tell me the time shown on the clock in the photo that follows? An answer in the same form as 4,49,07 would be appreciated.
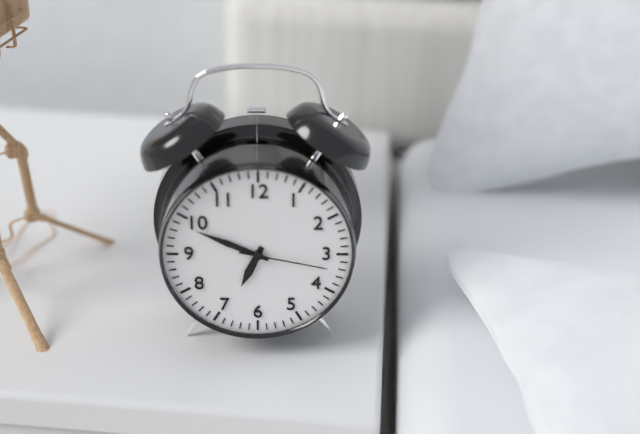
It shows 6,49,17
